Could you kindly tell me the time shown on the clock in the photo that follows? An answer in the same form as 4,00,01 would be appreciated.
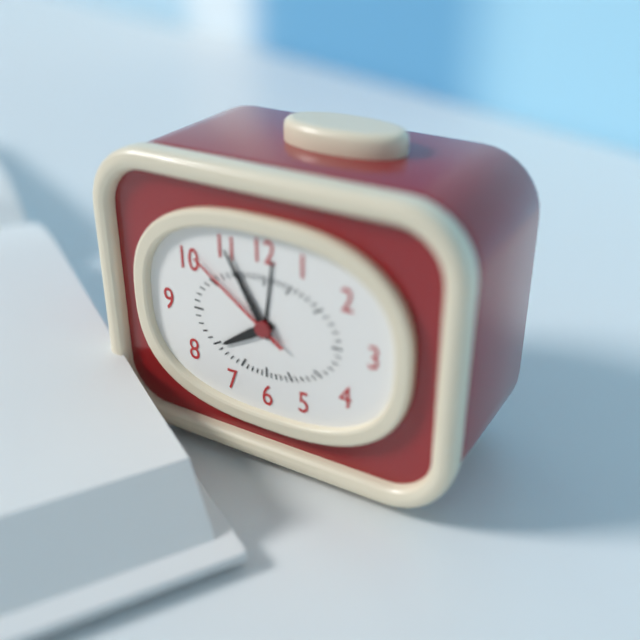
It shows 7,55,51
